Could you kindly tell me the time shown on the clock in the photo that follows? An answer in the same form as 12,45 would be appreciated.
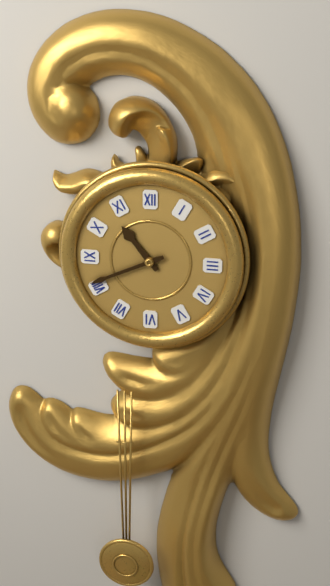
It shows 10,41
